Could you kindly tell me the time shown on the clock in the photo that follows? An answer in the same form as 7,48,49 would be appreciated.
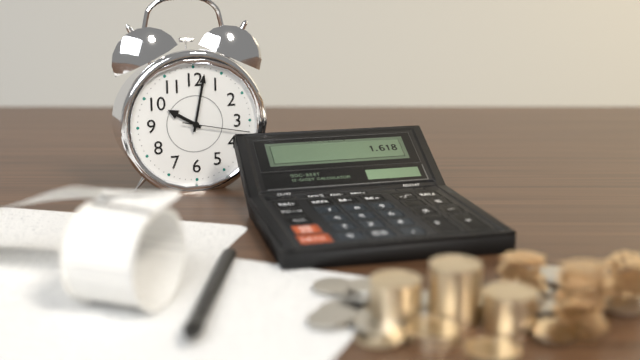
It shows 10,02,17
